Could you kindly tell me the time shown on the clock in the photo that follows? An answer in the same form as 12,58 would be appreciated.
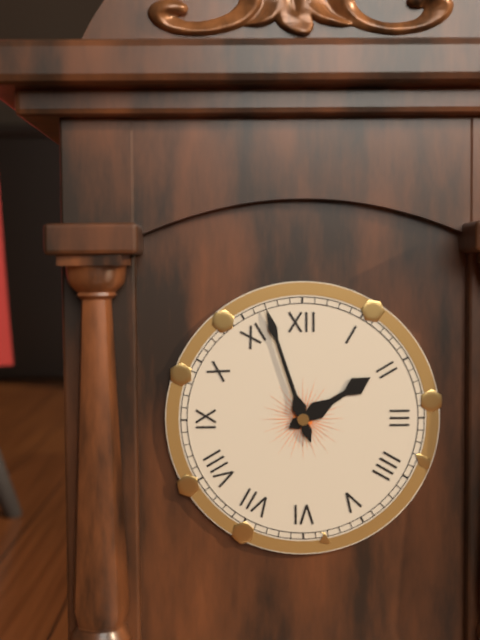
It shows 1,57
